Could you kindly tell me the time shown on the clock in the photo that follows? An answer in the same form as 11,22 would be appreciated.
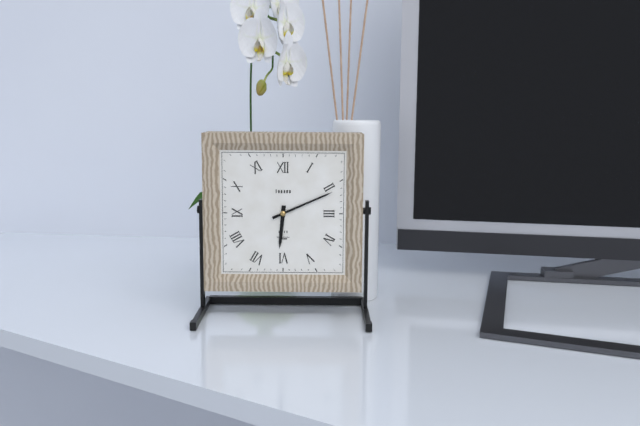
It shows 6,11
